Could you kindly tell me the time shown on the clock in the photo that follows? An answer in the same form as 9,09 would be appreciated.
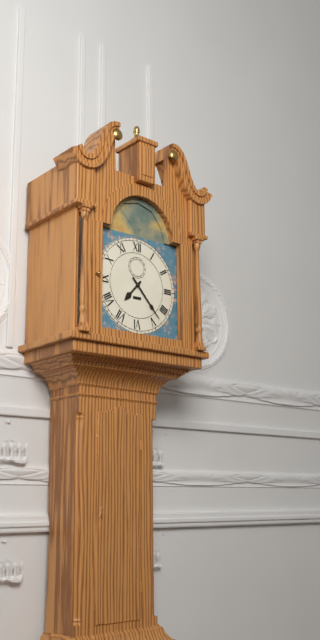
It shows 7,23
